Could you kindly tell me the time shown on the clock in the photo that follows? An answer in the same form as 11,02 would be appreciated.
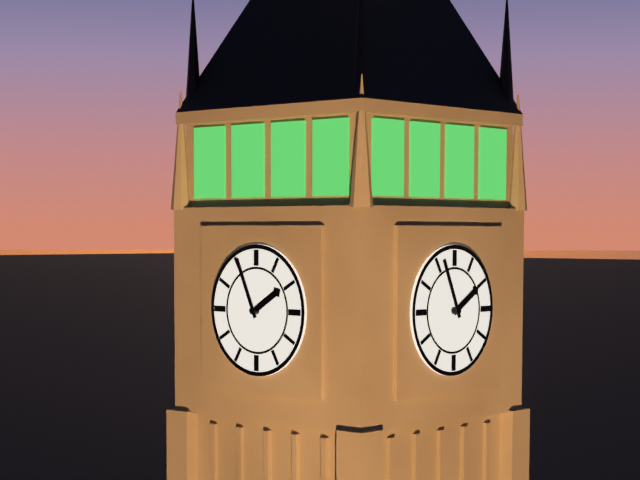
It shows 1,56
